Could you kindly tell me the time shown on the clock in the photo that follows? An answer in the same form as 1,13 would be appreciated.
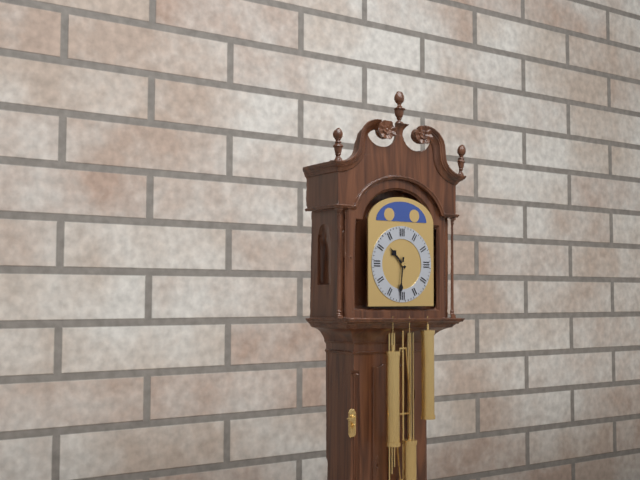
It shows 10,31
